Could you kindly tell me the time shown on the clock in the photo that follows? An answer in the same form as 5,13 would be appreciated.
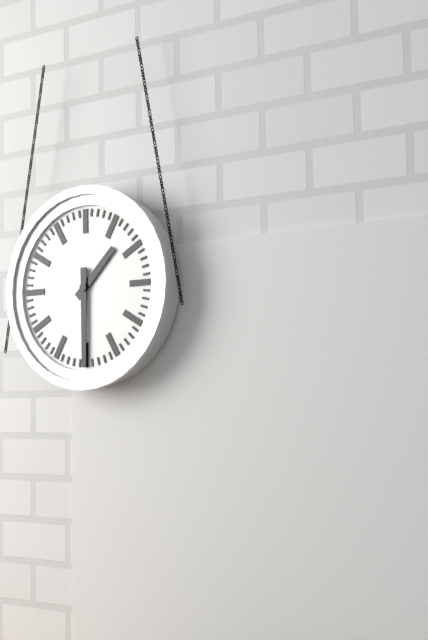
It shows 1,30
